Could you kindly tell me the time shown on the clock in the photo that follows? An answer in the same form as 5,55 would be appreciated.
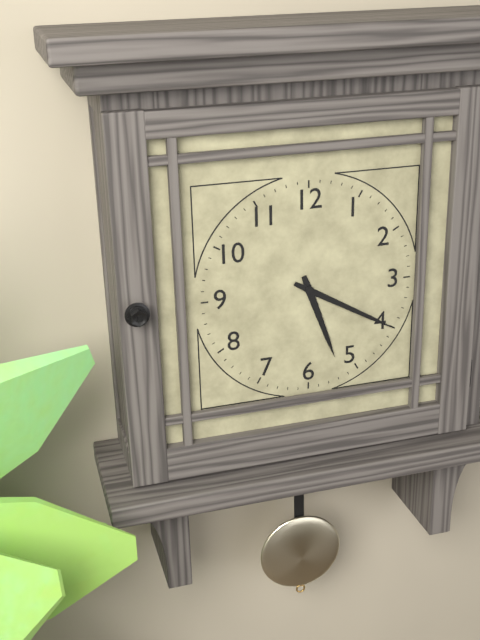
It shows 5,20
